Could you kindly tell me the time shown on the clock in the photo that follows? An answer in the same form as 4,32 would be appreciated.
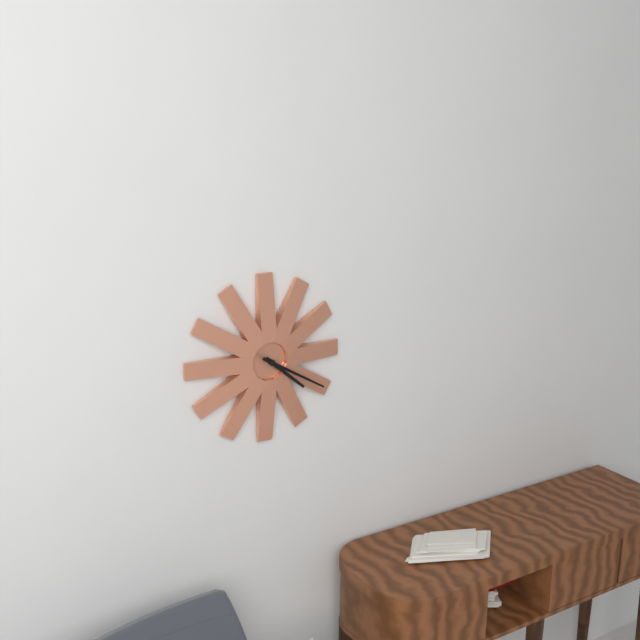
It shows 4,20
